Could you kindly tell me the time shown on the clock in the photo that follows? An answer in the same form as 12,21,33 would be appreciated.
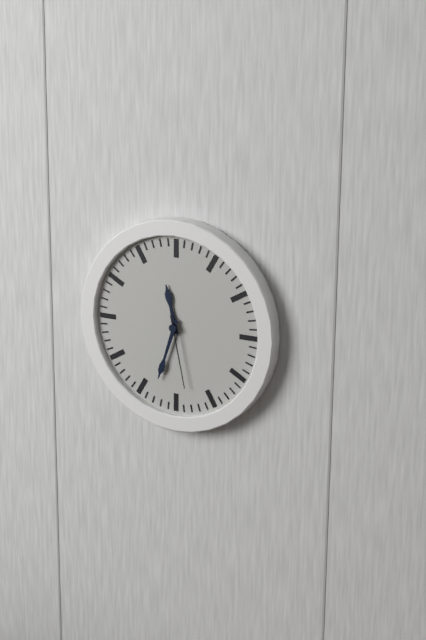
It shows 11,33,28
